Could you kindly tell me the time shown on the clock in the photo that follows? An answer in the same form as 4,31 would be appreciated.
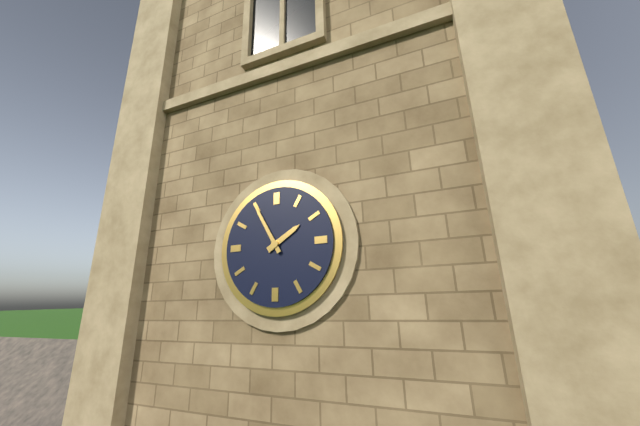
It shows 1,55
